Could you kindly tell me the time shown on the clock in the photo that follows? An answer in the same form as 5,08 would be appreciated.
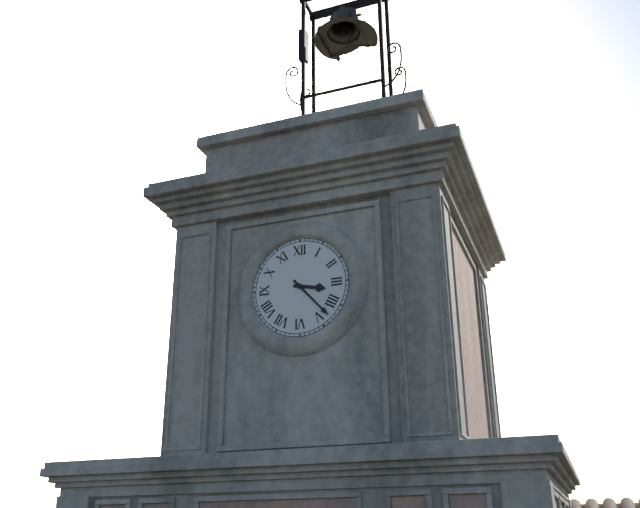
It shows 3,23
